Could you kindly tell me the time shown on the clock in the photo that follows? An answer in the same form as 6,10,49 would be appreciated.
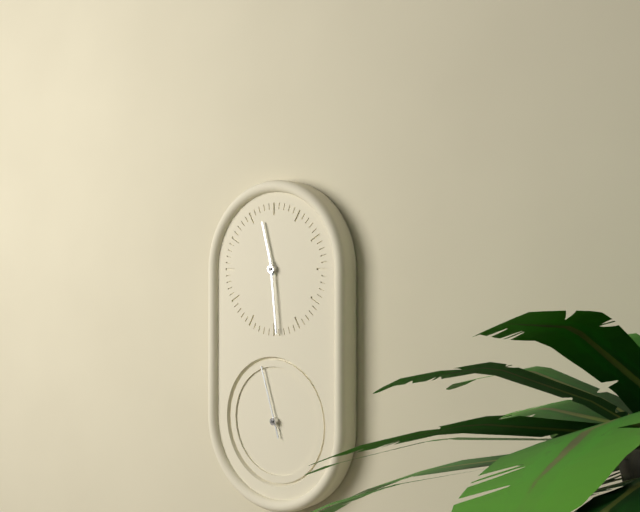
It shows 11,29,57
